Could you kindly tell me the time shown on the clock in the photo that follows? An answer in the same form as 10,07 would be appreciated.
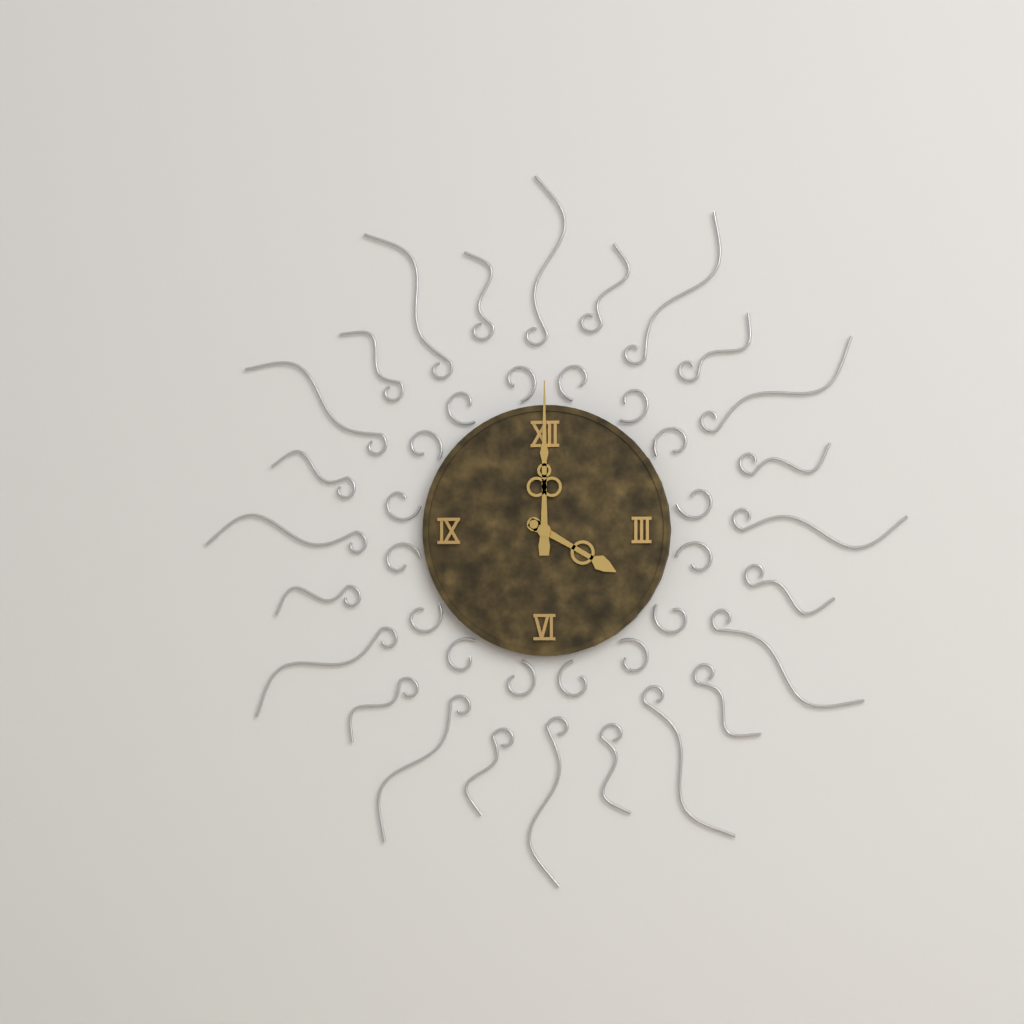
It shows 4,00
